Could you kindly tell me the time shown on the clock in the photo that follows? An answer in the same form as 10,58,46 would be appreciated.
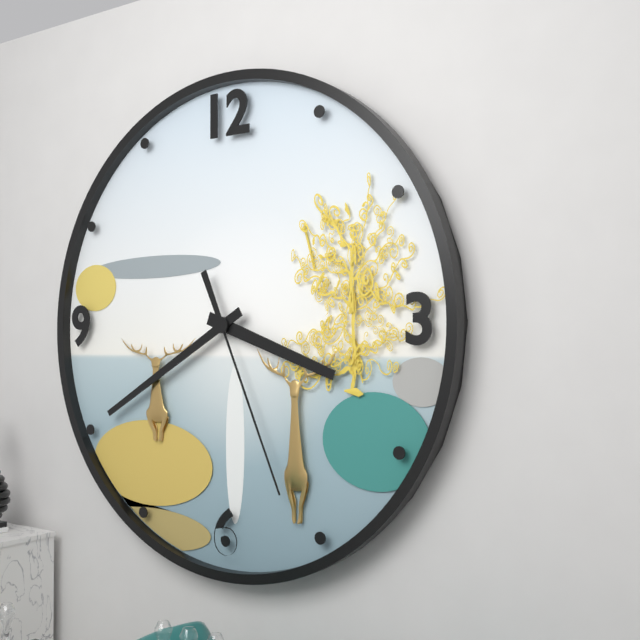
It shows 3,40,26
